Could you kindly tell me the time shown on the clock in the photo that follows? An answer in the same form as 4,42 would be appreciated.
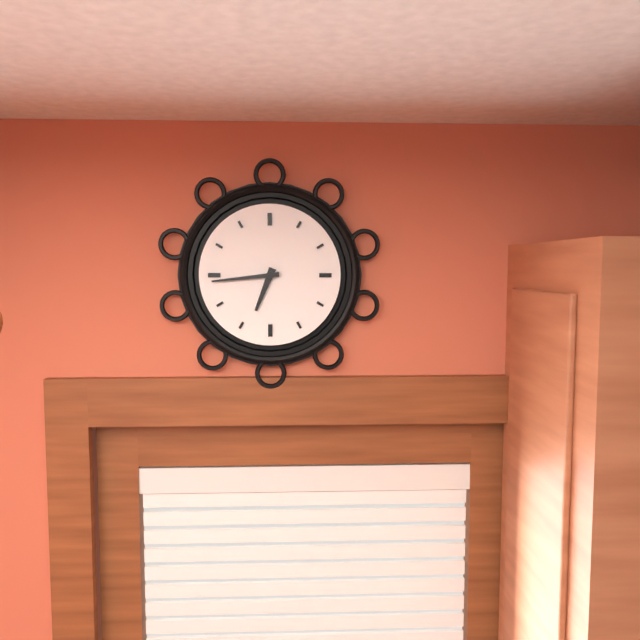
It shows 6,44
